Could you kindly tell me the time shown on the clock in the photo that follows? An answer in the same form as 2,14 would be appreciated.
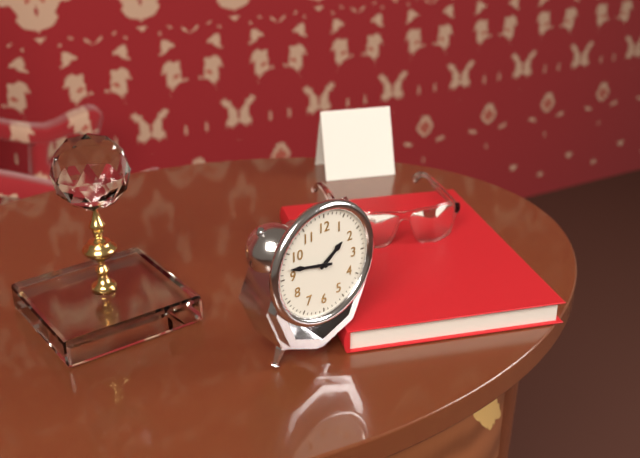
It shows 1,47
